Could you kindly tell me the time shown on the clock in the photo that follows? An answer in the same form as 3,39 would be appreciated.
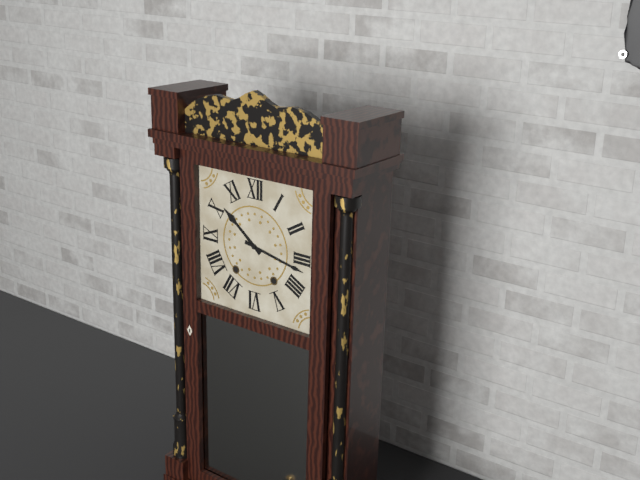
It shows 10,17
